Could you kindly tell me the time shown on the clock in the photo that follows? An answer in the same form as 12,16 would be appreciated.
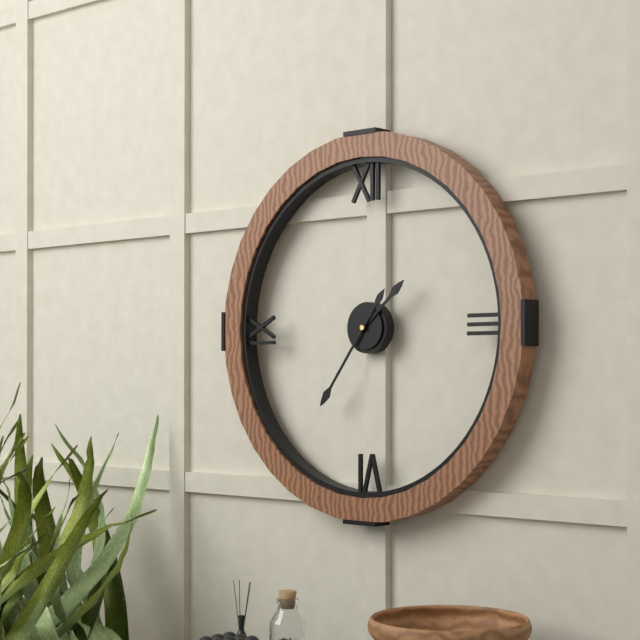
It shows 1,36
